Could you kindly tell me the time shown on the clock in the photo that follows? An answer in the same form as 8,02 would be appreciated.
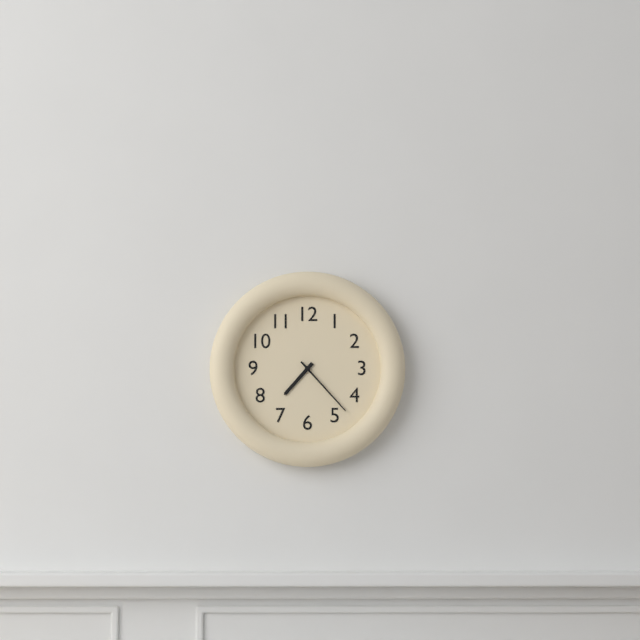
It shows 7,23
